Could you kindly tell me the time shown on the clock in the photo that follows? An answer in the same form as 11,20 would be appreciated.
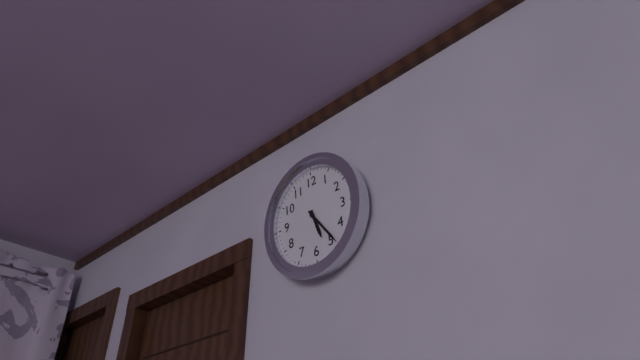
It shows 5,24
